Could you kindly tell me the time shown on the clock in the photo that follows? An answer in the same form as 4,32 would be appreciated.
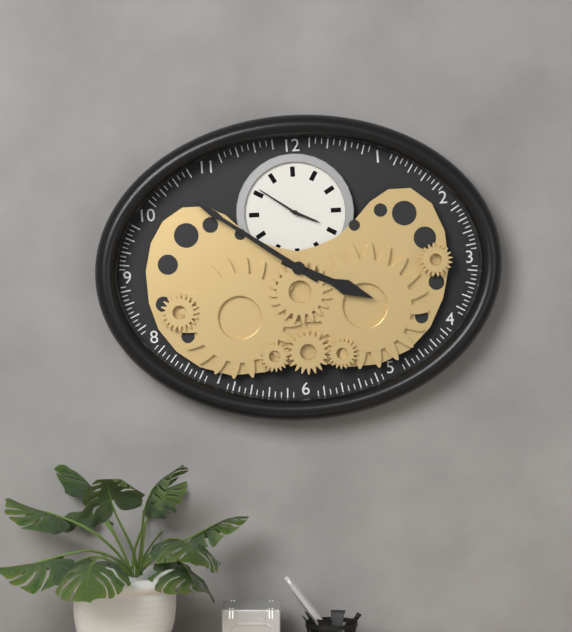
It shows 3,51
